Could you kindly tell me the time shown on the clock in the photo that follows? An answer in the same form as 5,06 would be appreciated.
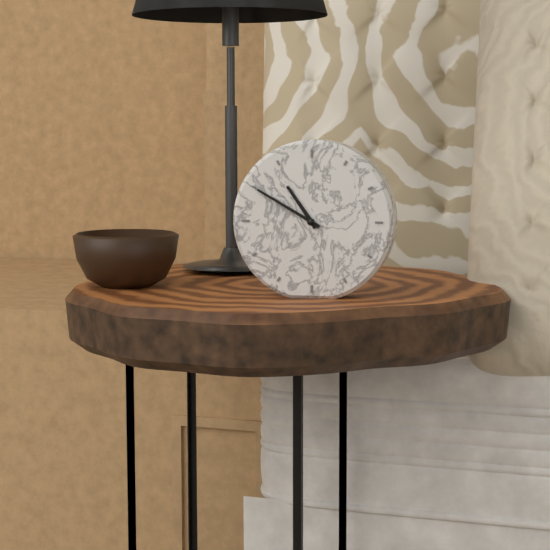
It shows 10,50
